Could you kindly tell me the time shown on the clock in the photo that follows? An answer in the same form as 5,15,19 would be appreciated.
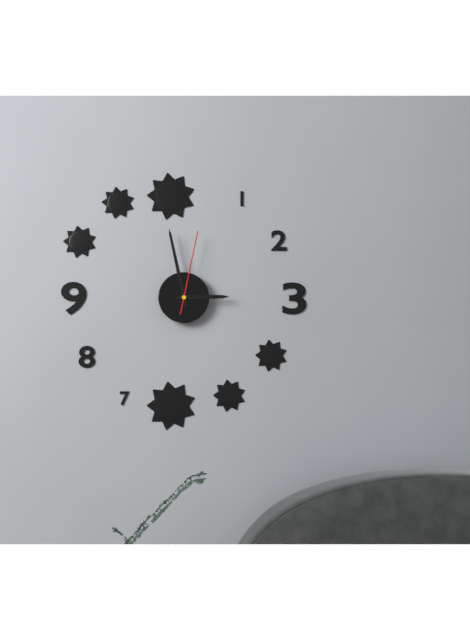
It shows 2,58,02
